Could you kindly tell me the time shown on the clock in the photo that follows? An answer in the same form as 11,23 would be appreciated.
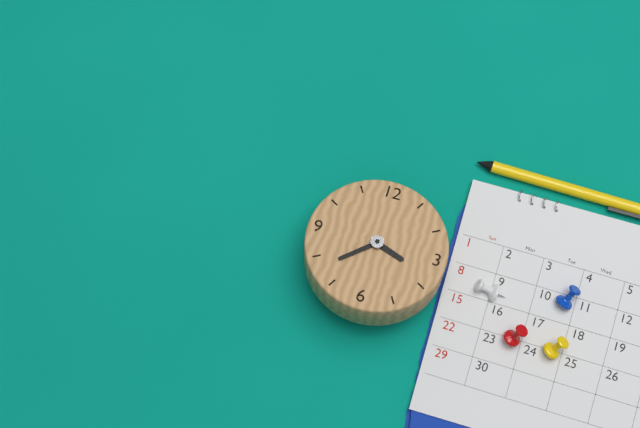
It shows 3,38
